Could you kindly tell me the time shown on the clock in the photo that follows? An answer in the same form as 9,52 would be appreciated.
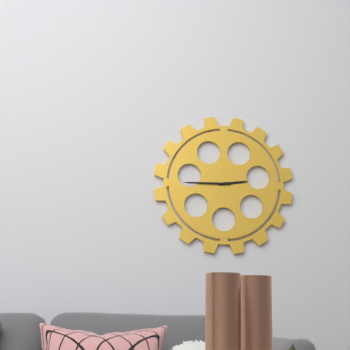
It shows 2,45
